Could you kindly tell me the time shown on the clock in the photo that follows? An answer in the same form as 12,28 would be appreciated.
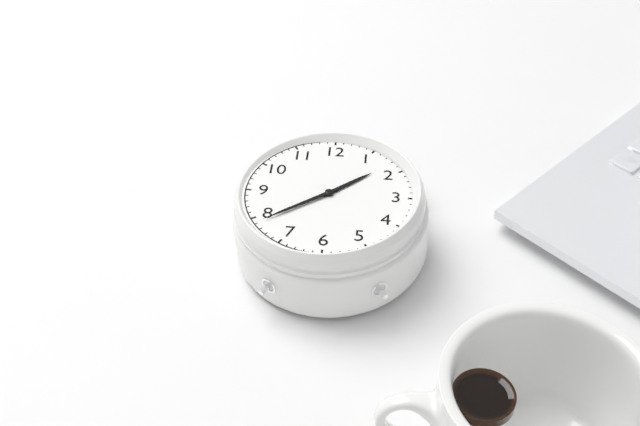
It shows 1,39
